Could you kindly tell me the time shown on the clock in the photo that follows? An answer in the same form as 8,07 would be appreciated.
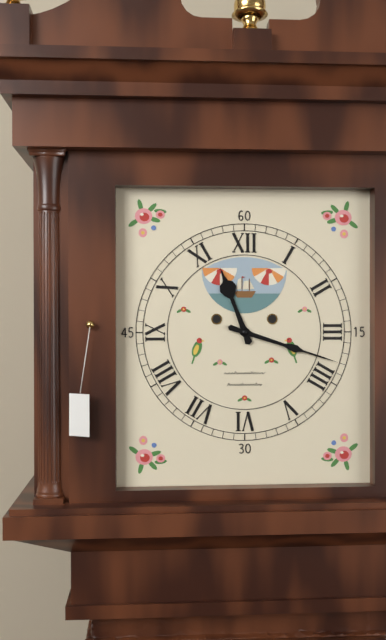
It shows 11,18
